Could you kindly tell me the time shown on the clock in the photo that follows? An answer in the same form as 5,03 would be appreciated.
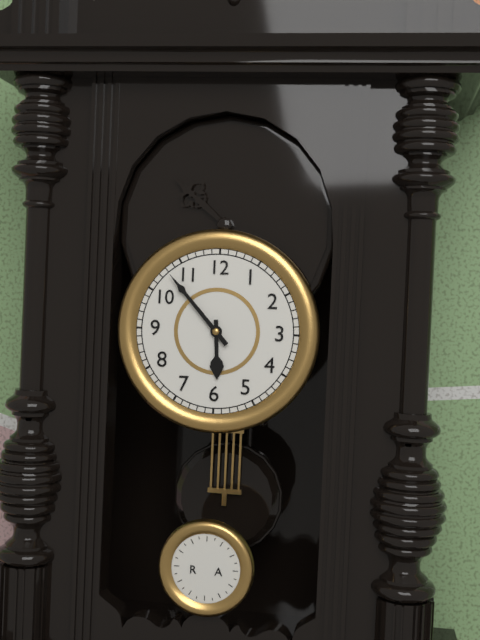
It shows 5,53
